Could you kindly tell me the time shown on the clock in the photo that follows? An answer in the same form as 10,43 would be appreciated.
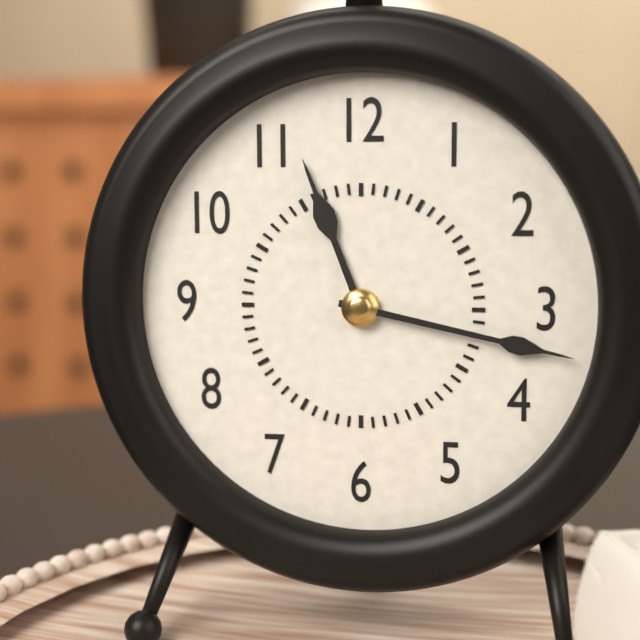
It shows 11,17
